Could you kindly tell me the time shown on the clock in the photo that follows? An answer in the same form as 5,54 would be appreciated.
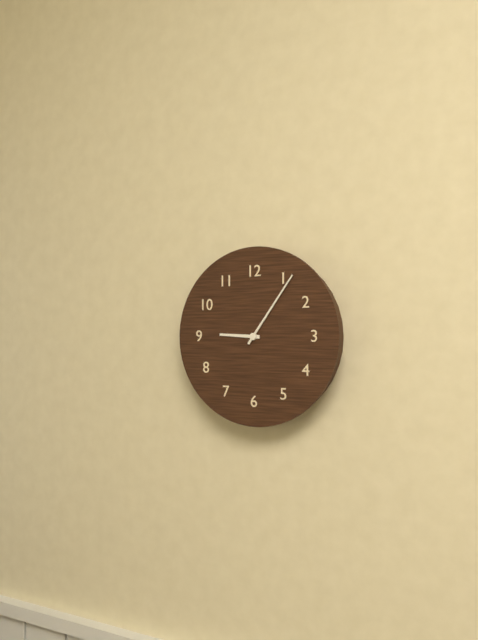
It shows 9,06
